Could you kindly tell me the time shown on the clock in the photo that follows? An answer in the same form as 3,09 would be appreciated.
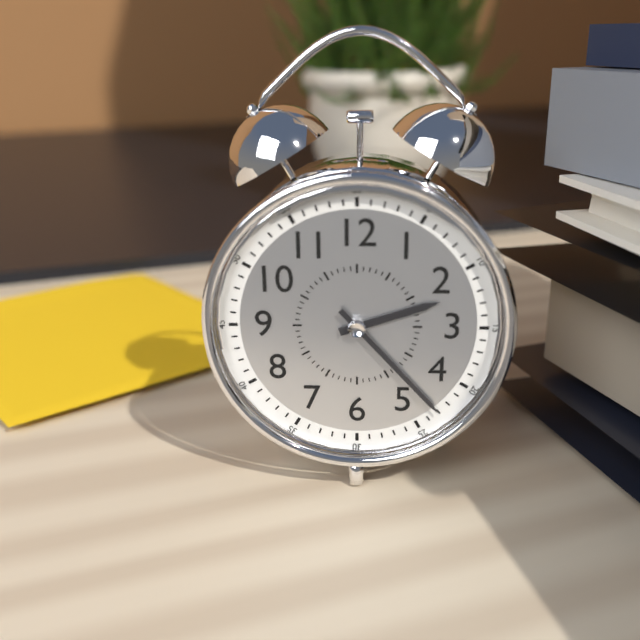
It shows 2,23
